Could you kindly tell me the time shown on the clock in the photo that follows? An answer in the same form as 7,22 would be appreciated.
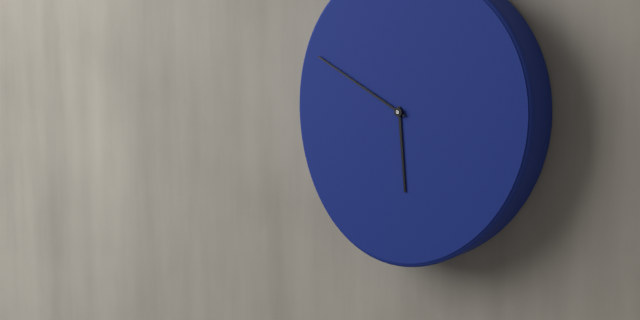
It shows 5,50
